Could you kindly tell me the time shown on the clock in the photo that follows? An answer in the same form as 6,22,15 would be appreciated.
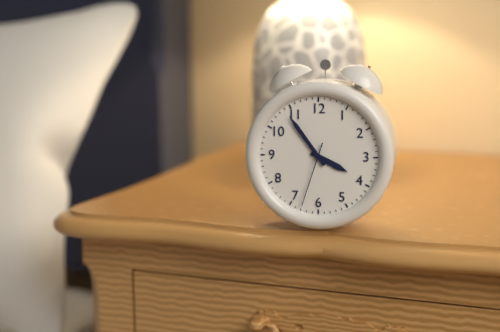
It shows 3,54,33
